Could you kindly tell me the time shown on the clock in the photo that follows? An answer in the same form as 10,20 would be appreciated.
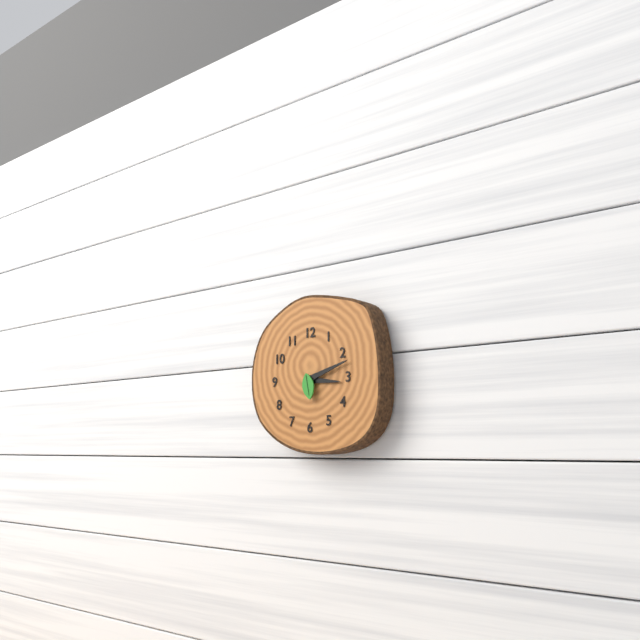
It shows 3,12
